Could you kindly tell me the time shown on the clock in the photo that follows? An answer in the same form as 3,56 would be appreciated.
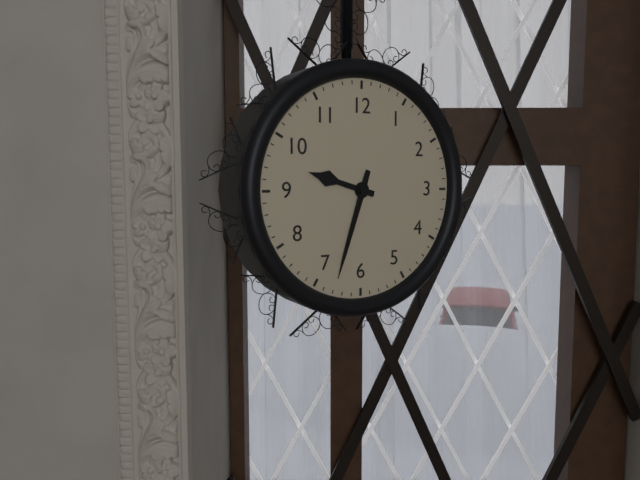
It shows 9,33
